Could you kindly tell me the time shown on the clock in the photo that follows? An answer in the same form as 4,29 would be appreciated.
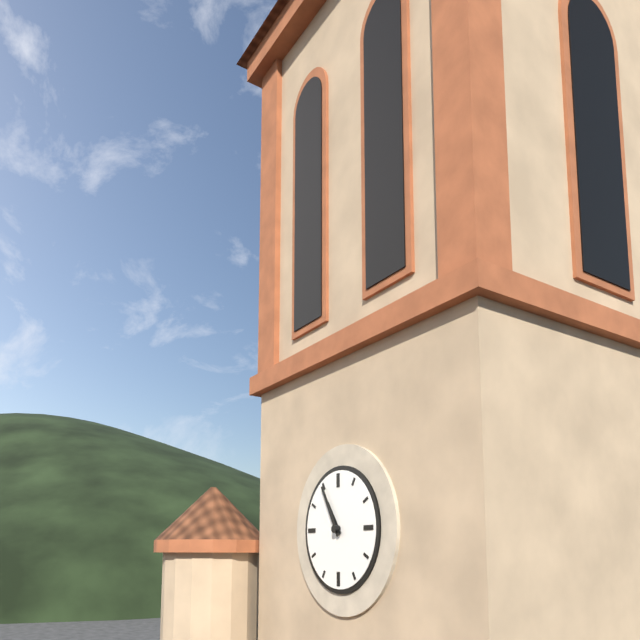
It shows 10,55
